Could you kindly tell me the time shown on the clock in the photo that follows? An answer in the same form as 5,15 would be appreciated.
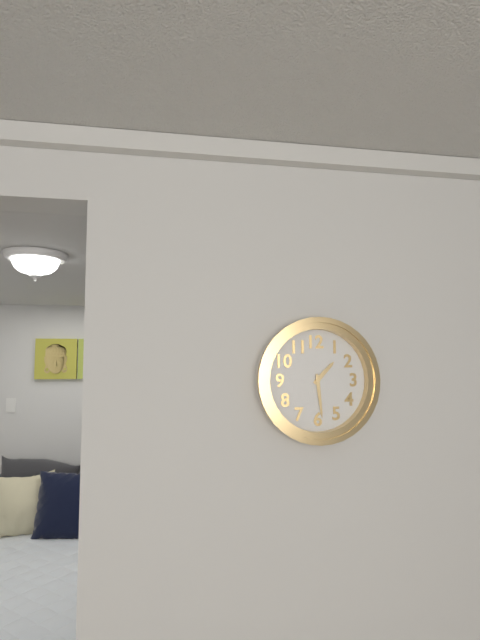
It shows 1,29
